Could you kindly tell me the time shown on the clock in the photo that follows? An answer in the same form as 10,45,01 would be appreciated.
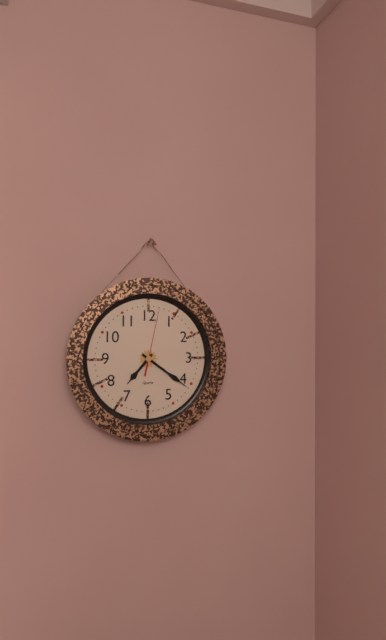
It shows 7,21,02
